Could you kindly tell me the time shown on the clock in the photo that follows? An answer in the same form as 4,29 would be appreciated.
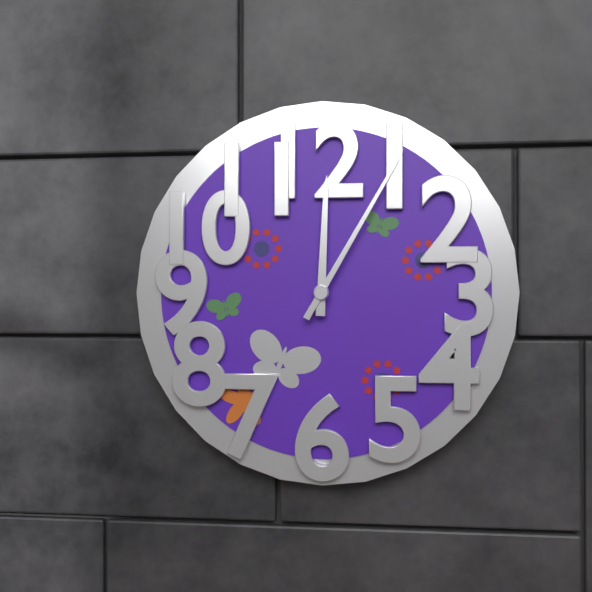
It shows 12,05
